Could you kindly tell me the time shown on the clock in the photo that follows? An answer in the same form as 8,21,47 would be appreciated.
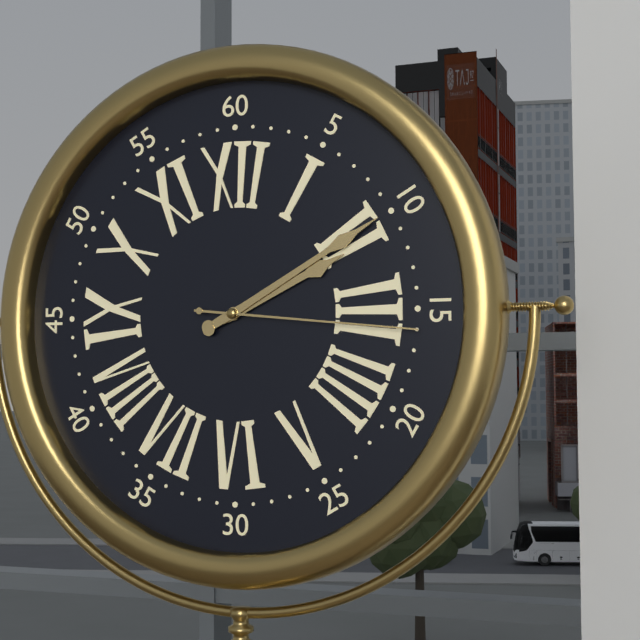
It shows 2,10,16
